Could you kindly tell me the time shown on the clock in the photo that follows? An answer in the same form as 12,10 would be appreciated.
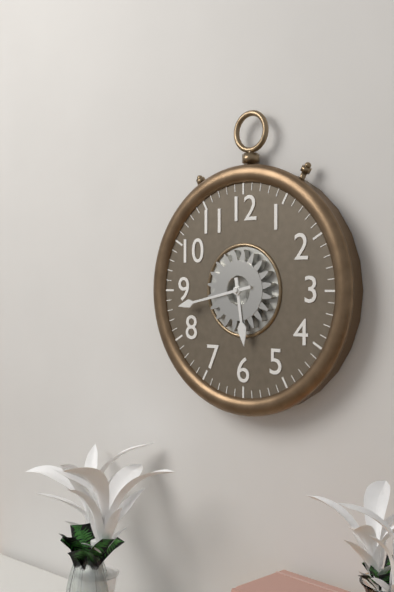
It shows 5,43
